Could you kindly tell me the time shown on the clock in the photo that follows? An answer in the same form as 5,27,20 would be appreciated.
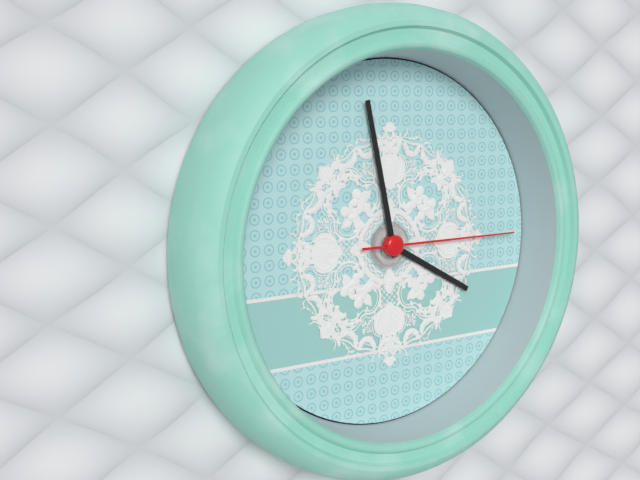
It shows 3,58,15
